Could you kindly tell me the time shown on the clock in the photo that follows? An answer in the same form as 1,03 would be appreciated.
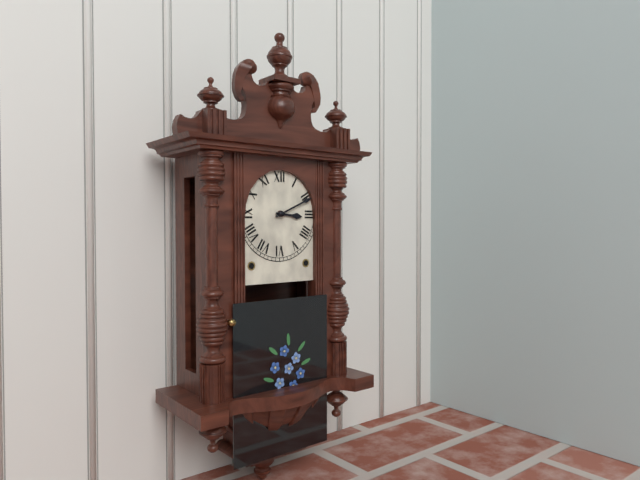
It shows 3,11
